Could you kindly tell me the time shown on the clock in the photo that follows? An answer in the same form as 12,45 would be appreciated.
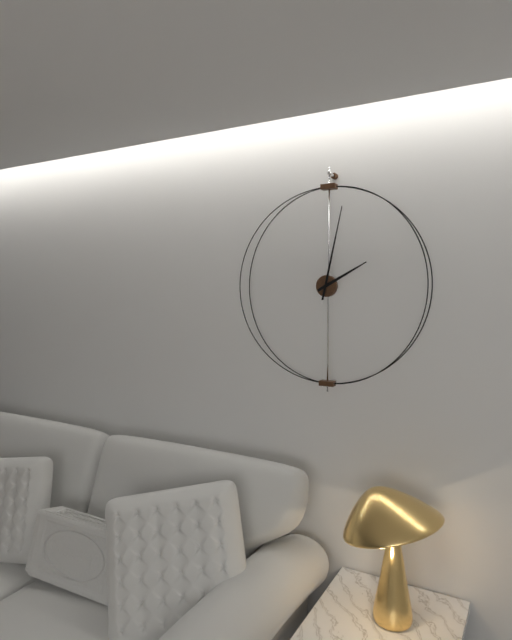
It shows 2,02
